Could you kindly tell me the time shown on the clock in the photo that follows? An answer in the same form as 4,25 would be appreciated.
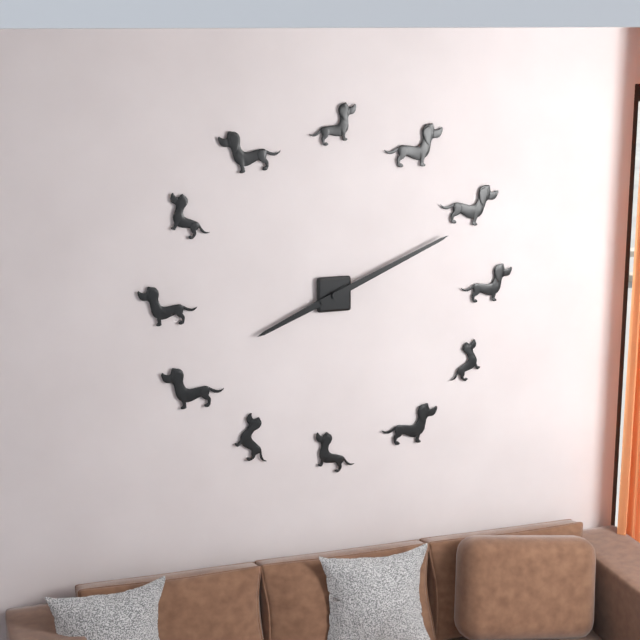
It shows 8,11
